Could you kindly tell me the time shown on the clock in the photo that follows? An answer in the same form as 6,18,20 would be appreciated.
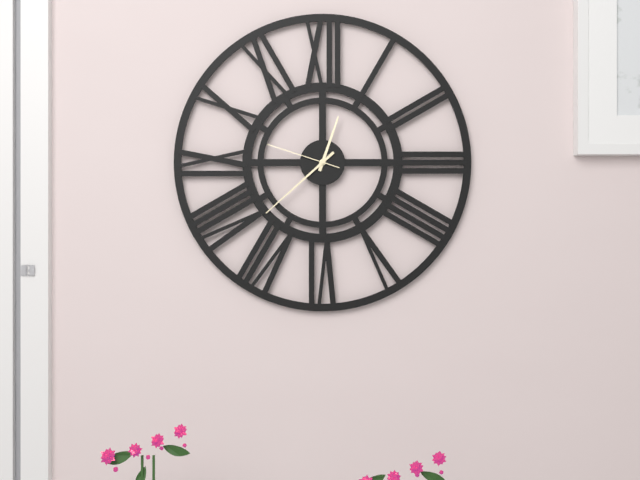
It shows 12,38,48
